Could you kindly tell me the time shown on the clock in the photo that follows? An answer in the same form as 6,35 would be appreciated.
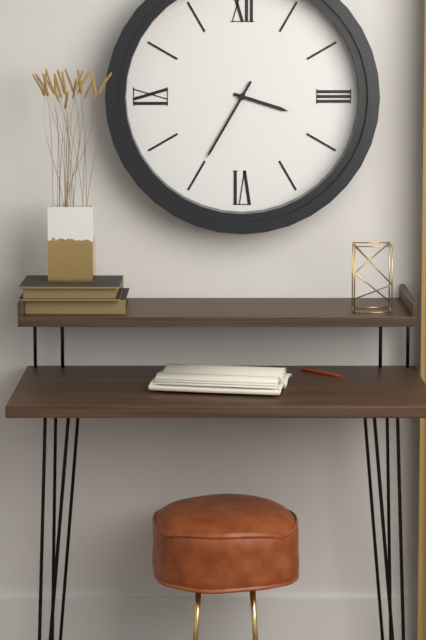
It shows 3,35
